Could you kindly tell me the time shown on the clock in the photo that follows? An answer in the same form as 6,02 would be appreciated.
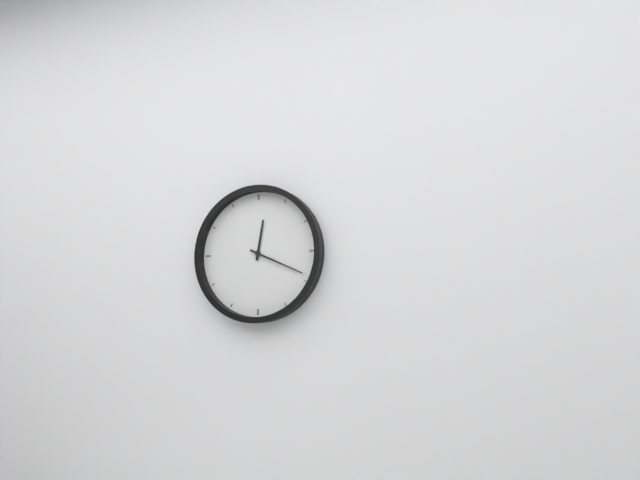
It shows 12,19
